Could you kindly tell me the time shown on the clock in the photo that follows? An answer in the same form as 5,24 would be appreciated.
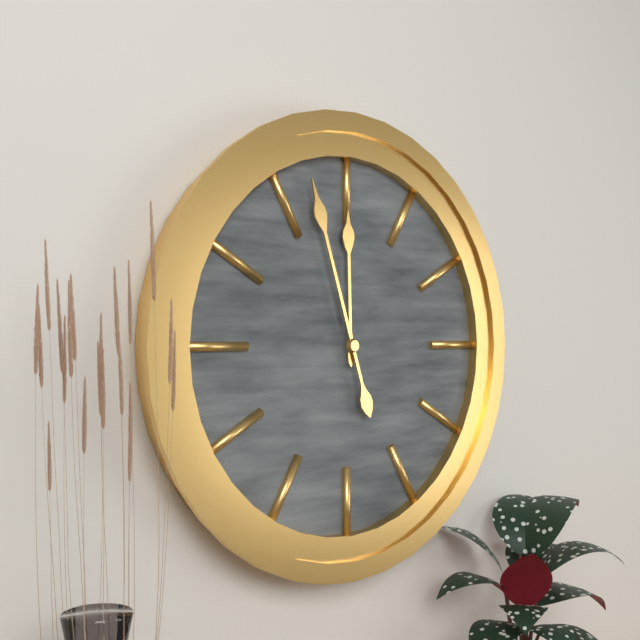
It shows 11,57
